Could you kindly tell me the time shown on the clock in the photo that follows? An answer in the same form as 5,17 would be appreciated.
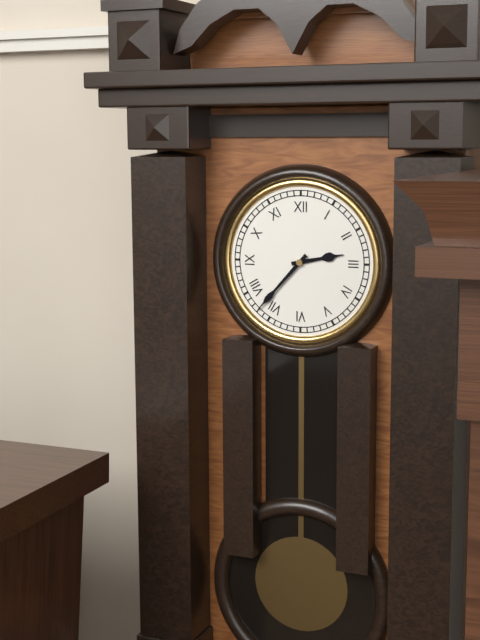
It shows 2,37
